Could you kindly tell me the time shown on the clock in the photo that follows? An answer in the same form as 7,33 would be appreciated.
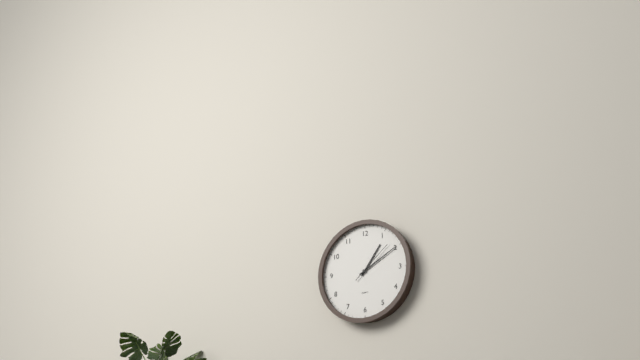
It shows 1,10
